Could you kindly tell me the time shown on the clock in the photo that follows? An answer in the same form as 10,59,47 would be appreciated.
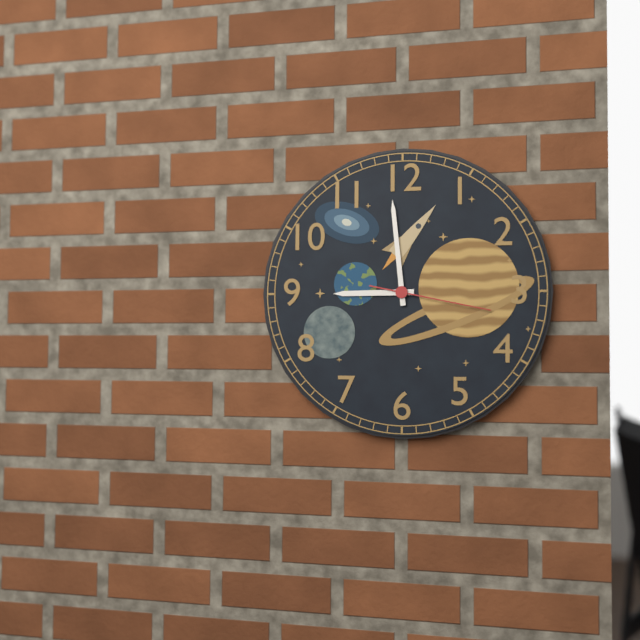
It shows 8,59,17
